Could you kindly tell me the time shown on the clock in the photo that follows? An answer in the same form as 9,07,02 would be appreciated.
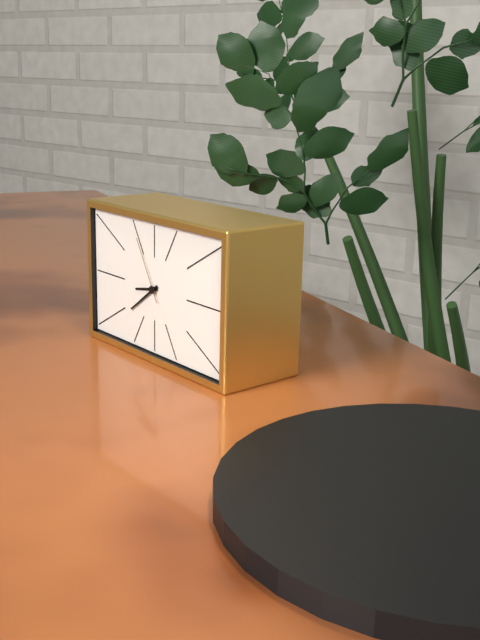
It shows 8,39,55
